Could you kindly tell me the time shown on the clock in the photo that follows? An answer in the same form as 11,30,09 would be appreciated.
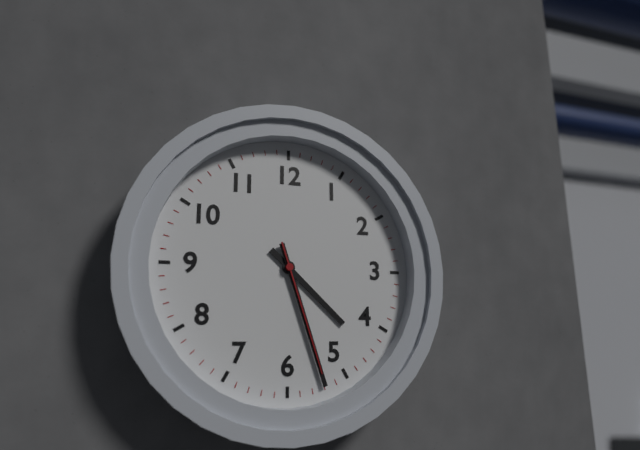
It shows 4,27,27
